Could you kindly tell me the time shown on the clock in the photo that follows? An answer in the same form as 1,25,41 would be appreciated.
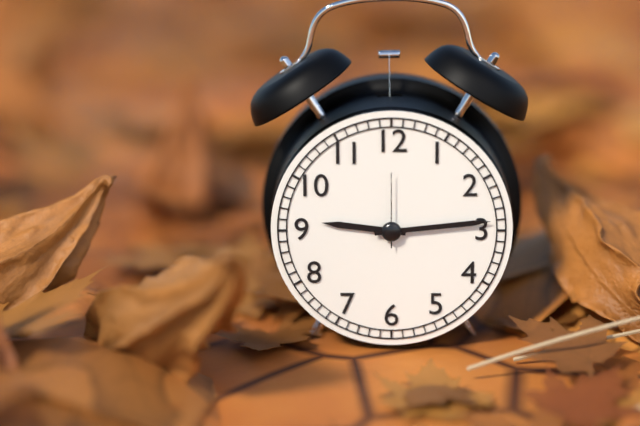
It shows 9,14,00
